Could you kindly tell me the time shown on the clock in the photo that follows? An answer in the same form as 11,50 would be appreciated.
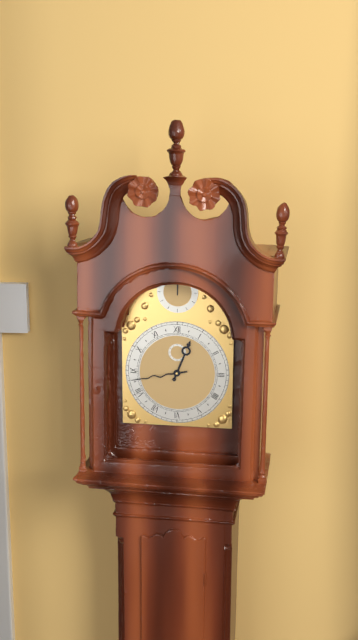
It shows 12,43
